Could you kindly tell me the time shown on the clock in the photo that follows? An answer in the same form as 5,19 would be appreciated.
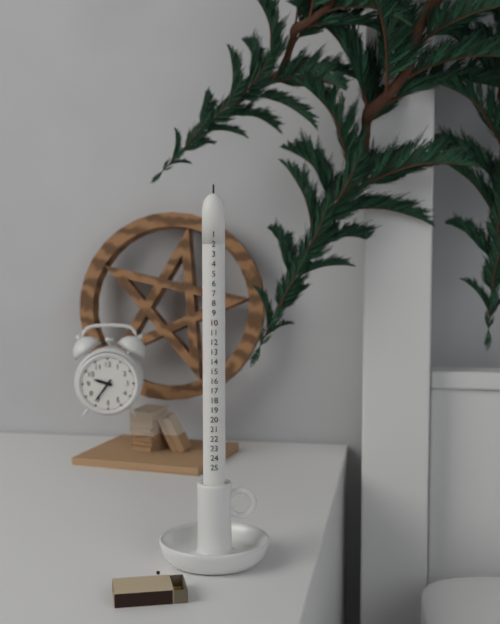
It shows 9,36
